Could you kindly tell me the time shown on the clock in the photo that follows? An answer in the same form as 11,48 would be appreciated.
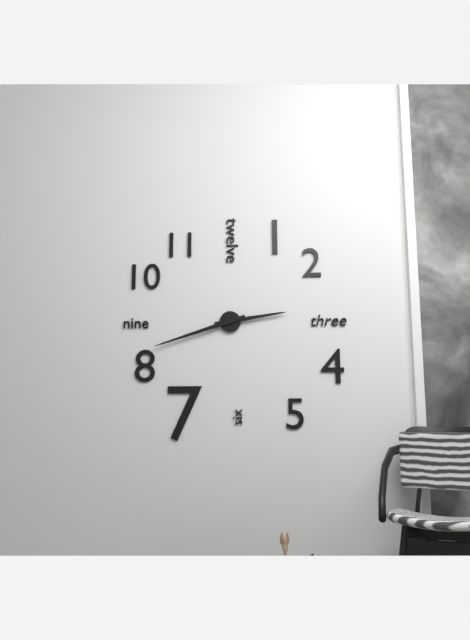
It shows 2,42
